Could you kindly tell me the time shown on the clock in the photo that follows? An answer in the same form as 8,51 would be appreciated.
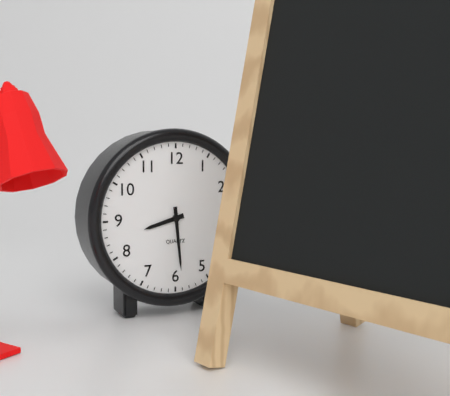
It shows 8,29
